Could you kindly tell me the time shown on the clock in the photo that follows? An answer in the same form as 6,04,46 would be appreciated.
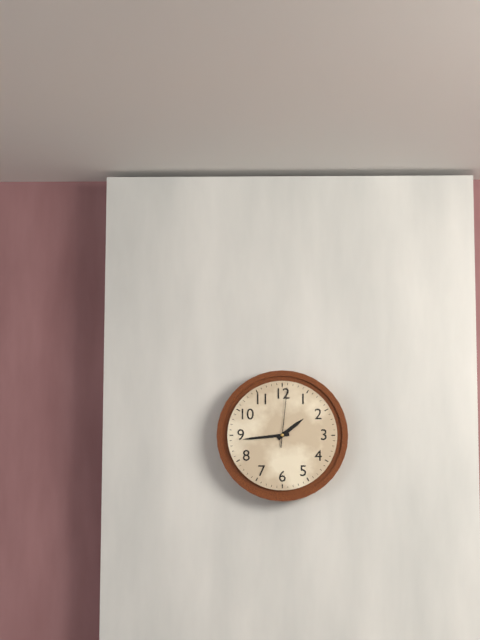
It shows 1,44,01
